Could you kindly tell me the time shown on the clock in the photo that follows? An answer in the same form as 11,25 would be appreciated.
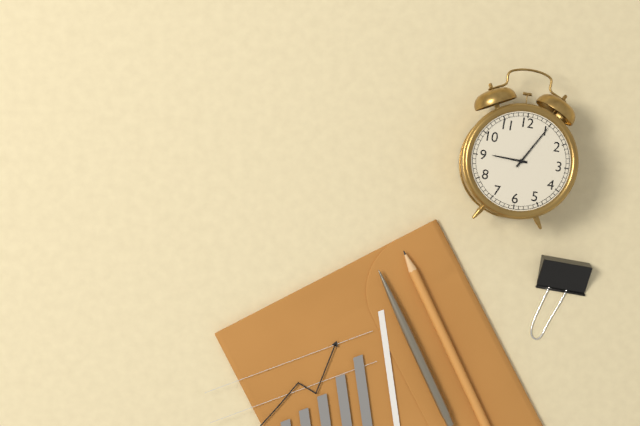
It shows 9,05
